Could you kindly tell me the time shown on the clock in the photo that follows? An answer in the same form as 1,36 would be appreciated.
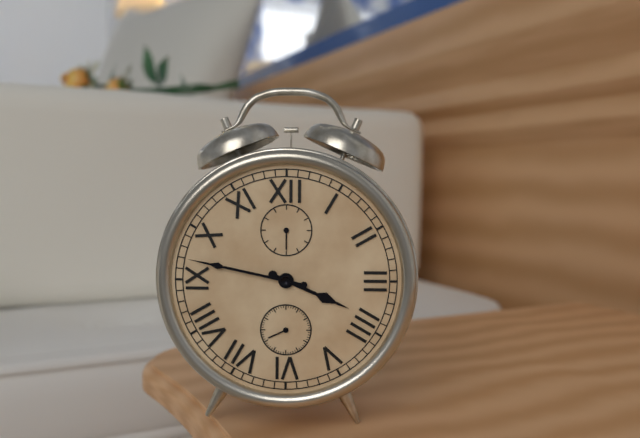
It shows 3,47
